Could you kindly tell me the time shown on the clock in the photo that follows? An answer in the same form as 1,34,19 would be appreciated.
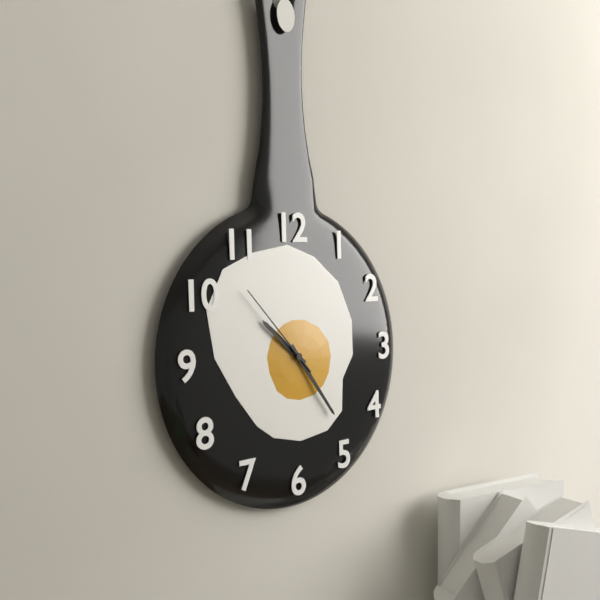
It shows 10,24,53
